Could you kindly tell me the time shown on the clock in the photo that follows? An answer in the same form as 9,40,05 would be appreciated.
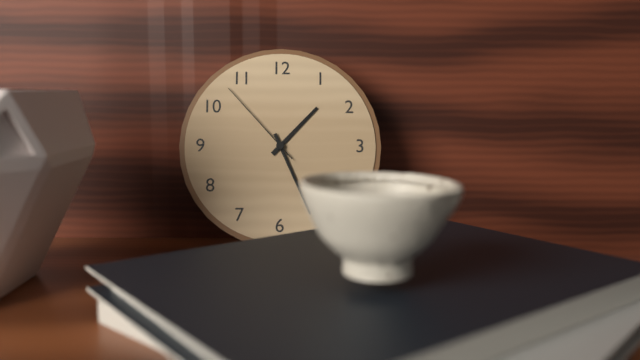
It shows 1,26,53
